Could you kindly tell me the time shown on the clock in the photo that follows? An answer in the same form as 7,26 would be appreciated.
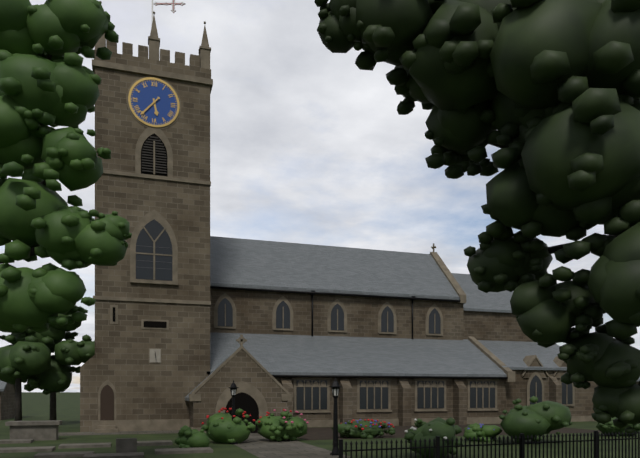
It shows 5,37
